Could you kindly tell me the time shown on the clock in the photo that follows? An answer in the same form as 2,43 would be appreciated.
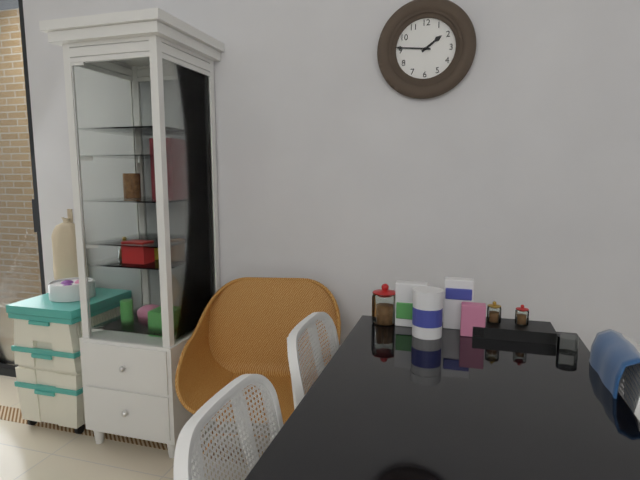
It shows 1,46
